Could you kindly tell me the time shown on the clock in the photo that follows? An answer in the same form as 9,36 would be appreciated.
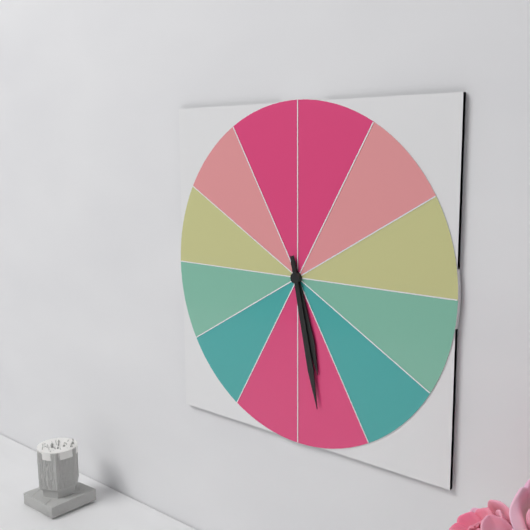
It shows 5,28
